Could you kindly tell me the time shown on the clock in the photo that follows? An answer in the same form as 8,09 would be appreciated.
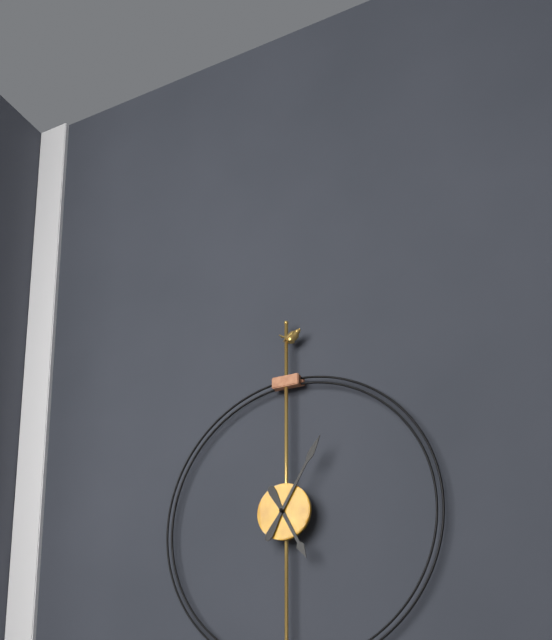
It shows 5,05
